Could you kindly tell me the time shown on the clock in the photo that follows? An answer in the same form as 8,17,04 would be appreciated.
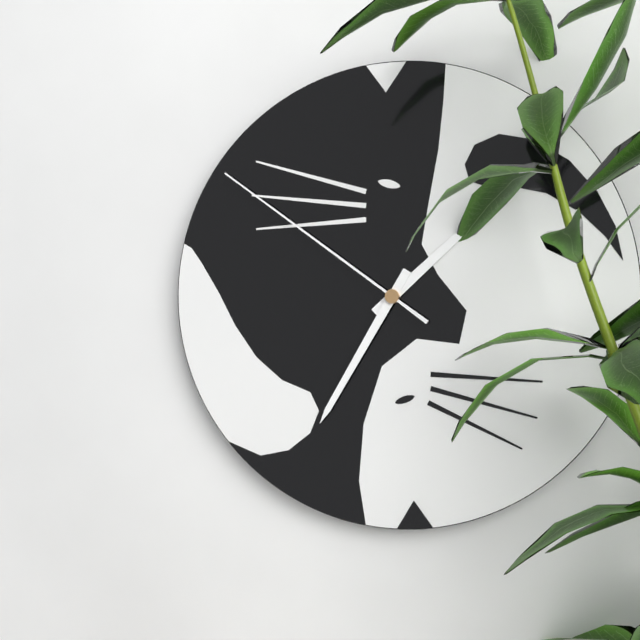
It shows 1,35,51
